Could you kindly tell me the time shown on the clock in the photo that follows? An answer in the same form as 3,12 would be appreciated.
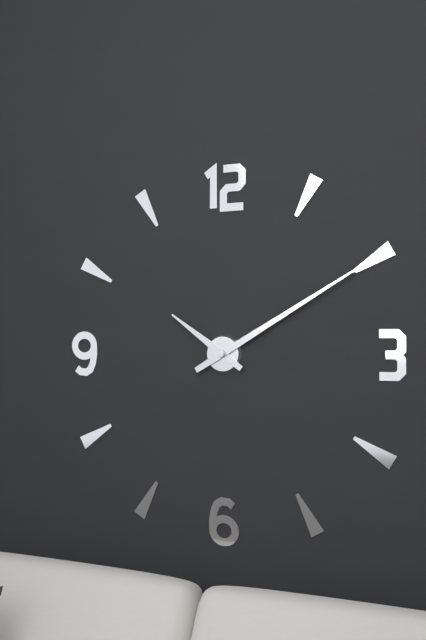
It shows 10,10
